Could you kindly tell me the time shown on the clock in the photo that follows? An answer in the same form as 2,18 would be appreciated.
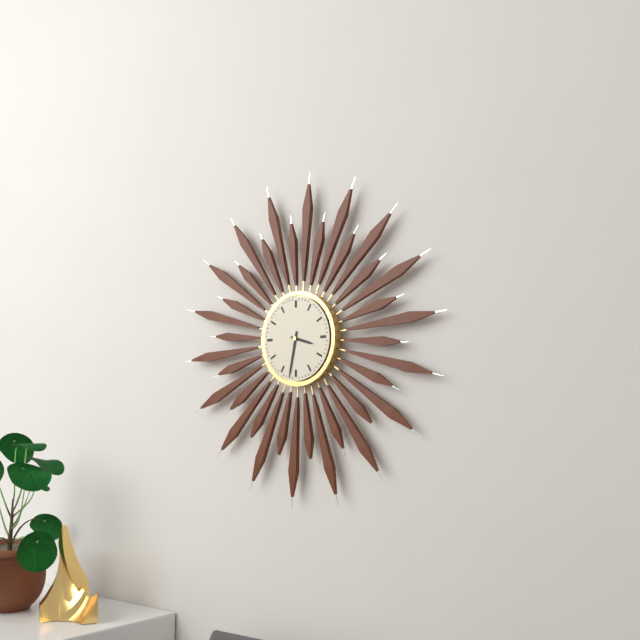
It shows 3,32
